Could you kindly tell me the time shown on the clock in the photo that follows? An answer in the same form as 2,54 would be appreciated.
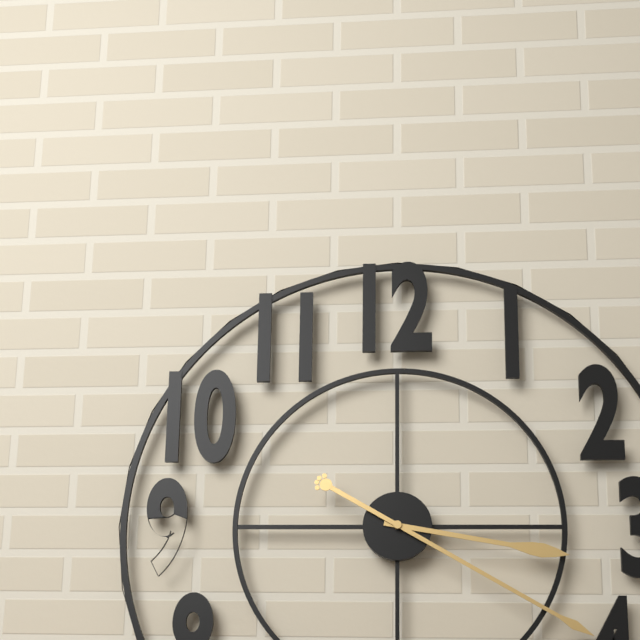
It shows 3,20
